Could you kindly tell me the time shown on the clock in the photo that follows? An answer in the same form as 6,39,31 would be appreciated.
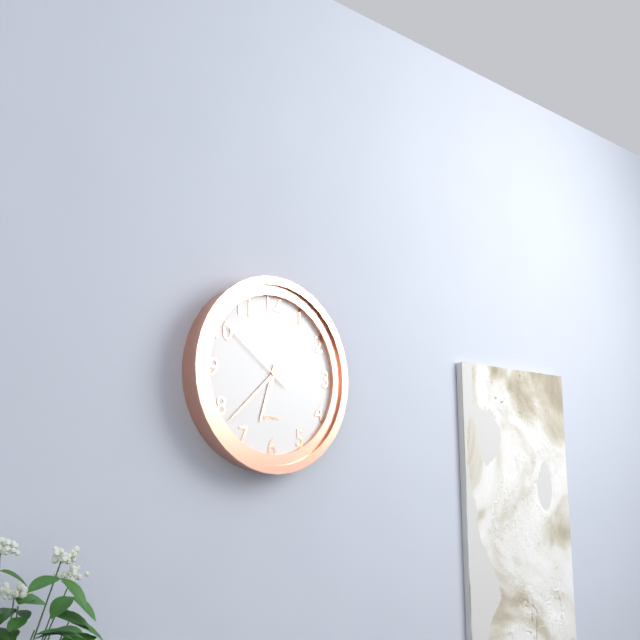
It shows 6,38,51
